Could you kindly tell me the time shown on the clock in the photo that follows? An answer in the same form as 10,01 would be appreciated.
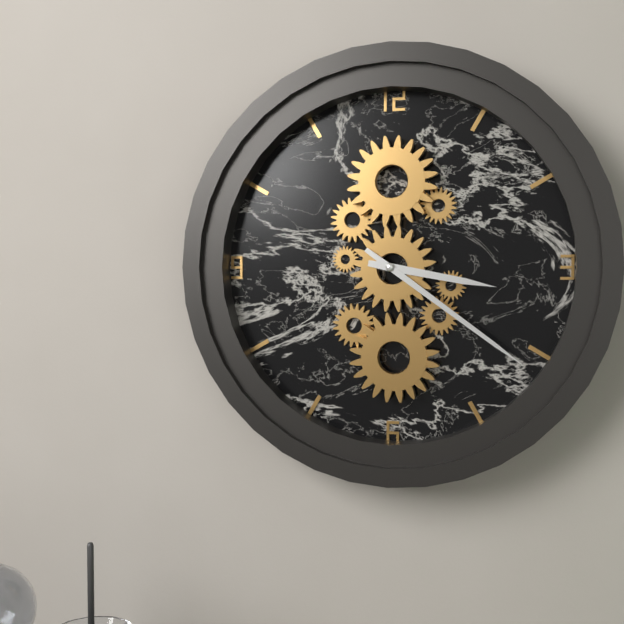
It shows 3,21
